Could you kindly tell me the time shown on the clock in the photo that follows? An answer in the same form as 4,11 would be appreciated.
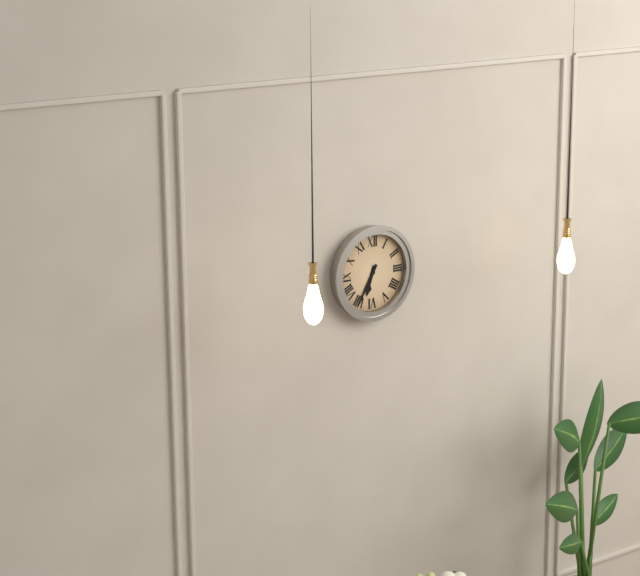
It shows 6,35
